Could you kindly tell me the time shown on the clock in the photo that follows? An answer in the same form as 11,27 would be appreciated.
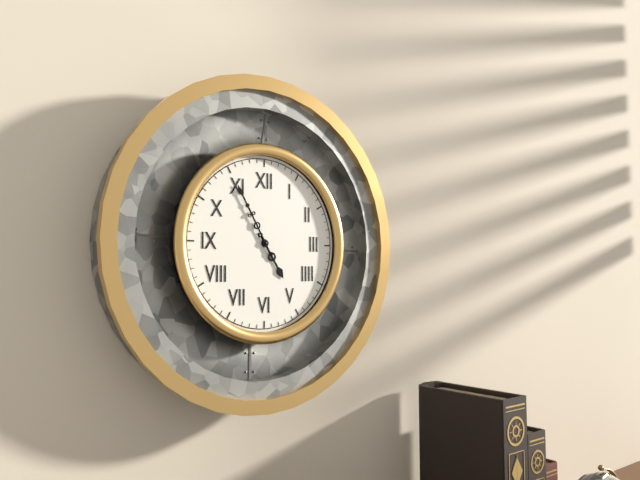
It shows 4,55
